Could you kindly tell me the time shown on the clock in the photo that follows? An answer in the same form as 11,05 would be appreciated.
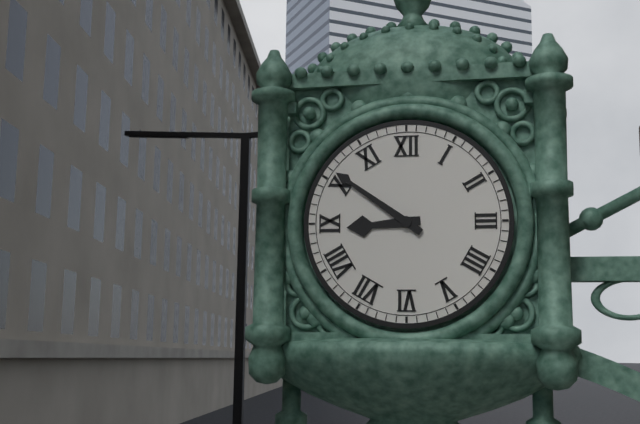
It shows 8,51
